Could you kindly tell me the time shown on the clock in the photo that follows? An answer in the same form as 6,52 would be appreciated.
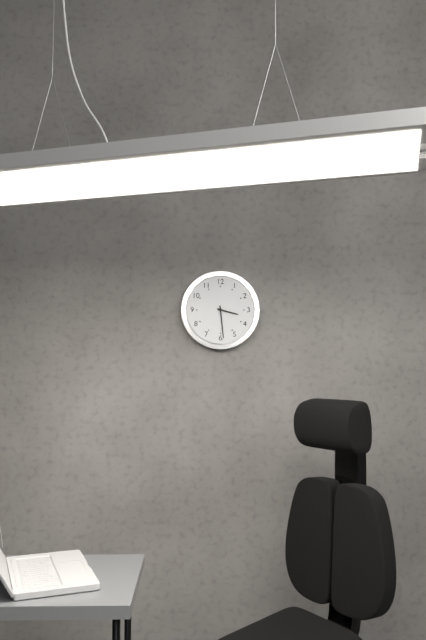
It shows 3,29
